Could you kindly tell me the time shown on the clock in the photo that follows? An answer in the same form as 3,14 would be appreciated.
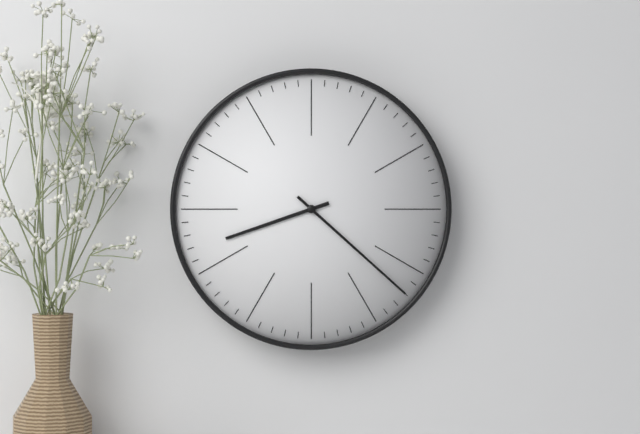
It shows 8,22
